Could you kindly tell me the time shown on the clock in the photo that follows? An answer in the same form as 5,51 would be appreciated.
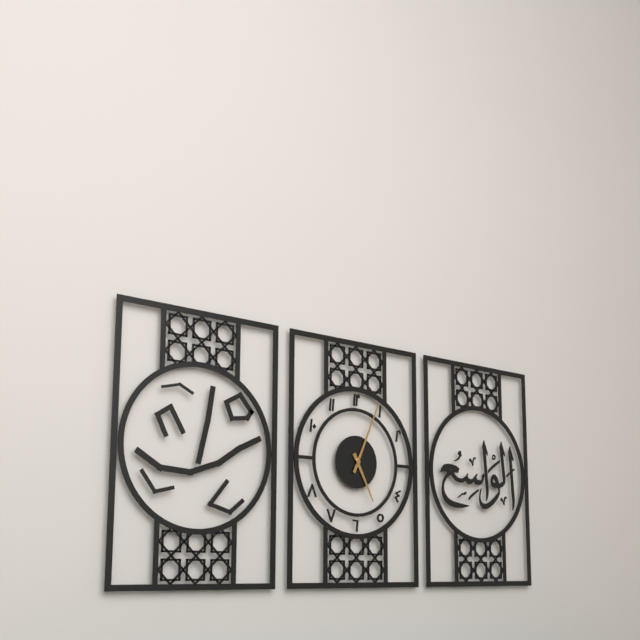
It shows 5,04
